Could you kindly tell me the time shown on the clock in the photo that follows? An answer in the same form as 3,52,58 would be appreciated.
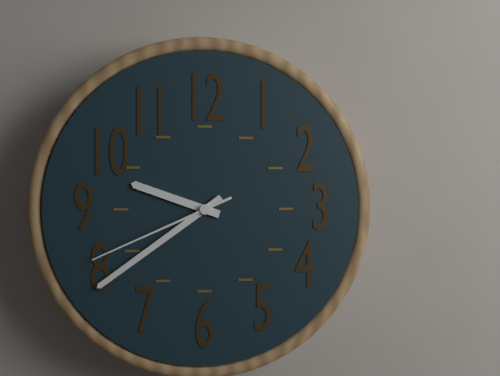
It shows 9,39,41
